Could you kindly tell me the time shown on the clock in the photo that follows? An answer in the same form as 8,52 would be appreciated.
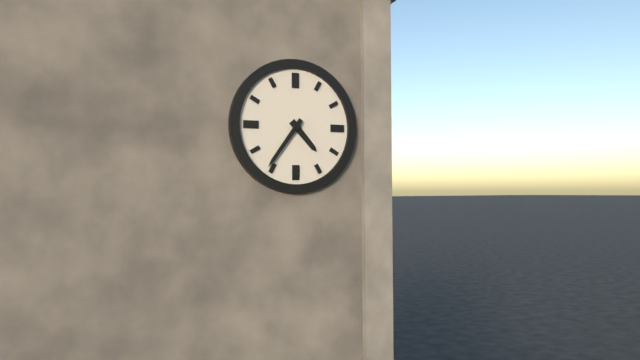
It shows 4,36
